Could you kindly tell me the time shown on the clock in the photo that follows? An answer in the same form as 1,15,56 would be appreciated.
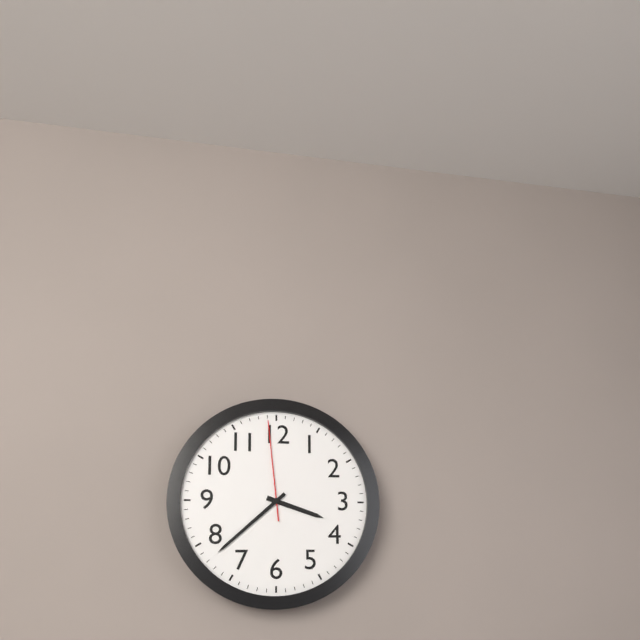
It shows 3,38,59
